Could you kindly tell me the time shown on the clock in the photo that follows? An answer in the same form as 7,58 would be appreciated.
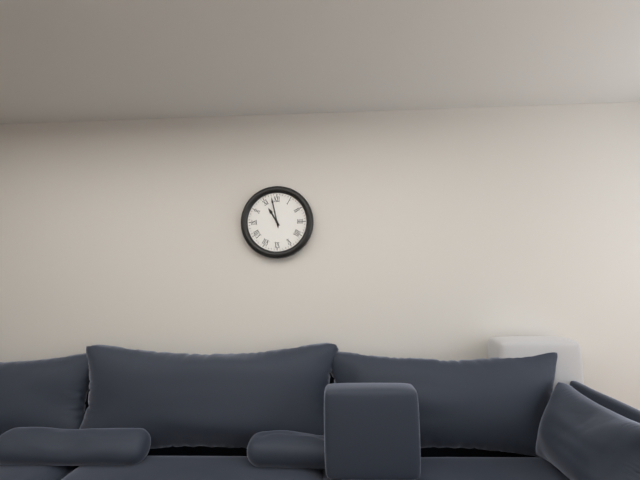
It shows 10,58
